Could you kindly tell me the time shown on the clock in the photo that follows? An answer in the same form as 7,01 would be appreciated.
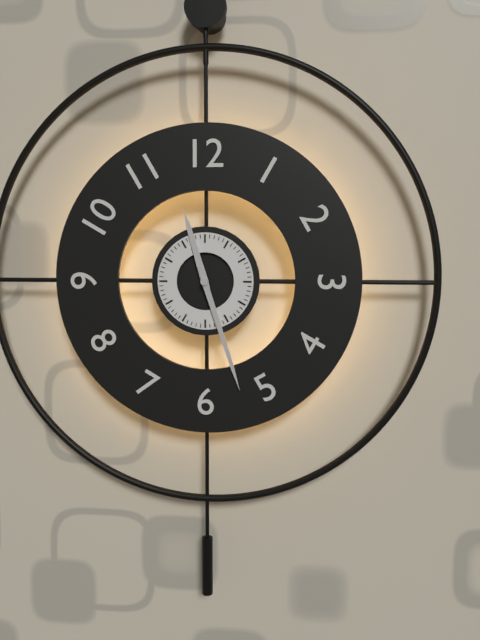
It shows 11,27
